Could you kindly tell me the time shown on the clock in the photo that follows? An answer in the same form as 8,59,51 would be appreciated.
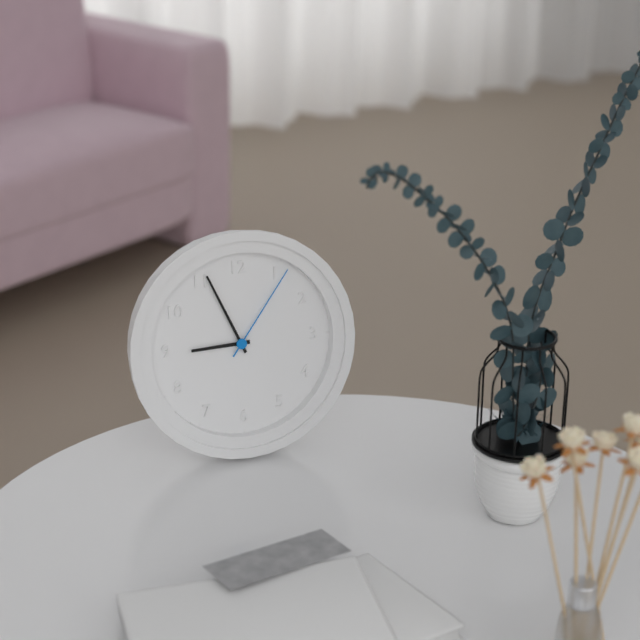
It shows 8,56,06
